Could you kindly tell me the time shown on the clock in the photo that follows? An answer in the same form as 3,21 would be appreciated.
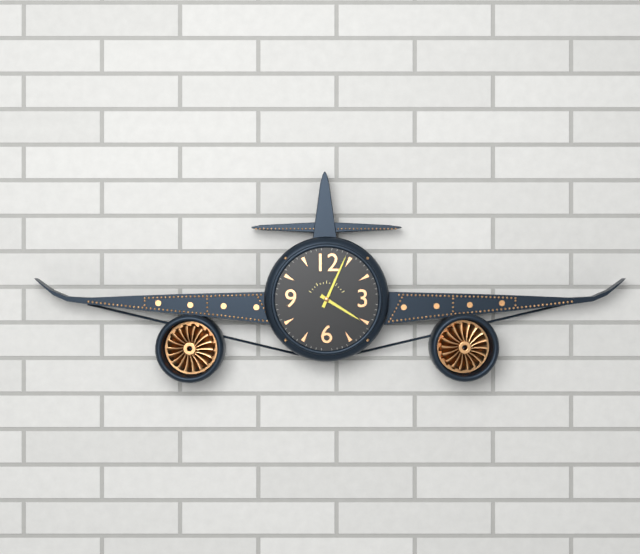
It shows 4,04
